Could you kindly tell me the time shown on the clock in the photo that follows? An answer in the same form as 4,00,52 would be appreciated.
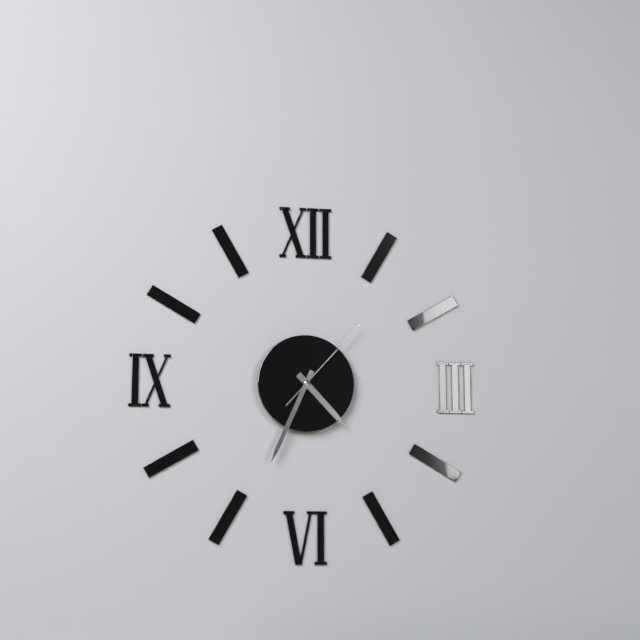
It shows 4,34,07
